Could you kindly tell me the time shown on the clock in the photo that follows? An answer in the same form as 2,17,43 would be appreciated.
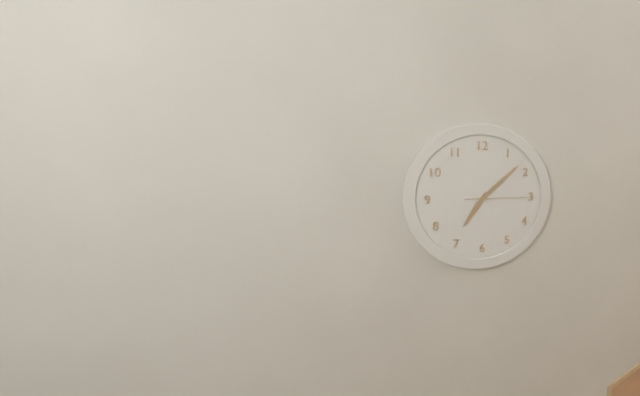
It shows 7,08,15
